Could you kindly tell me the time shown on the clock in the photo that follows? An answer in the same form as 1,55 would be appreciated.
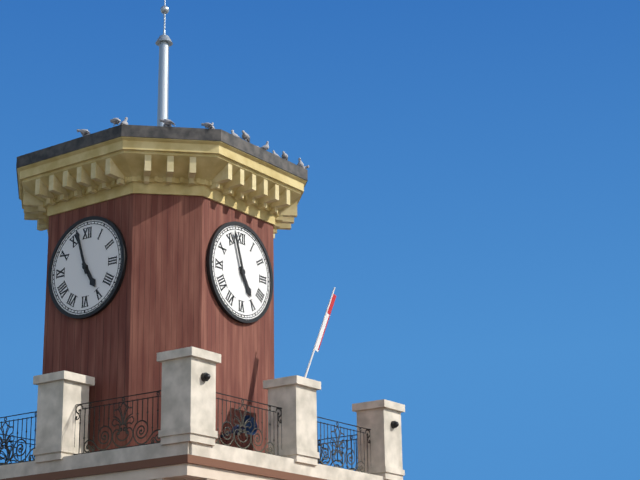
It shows 4,57
